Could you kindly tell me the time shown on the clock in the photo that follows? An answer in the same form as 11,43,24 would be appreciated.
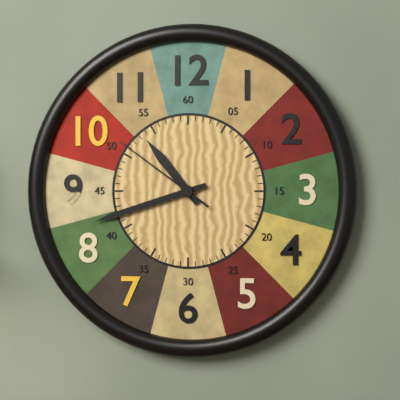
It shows 10,42,51
